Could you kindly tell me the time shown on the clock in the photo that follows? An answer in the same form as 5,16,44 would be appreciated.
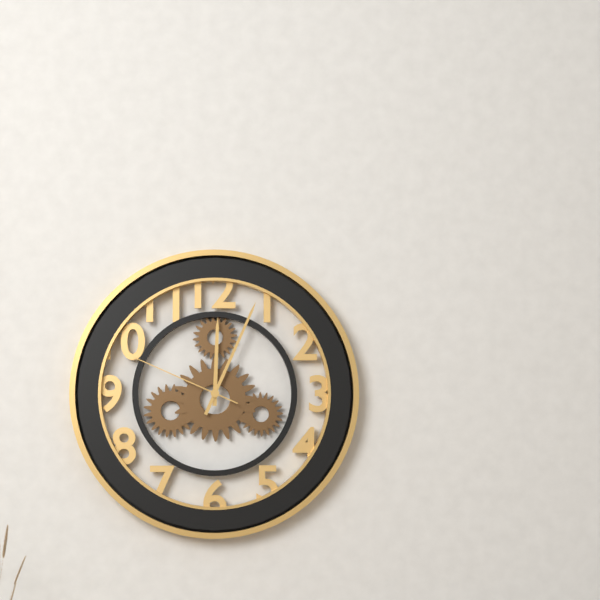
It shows 12,04,49
